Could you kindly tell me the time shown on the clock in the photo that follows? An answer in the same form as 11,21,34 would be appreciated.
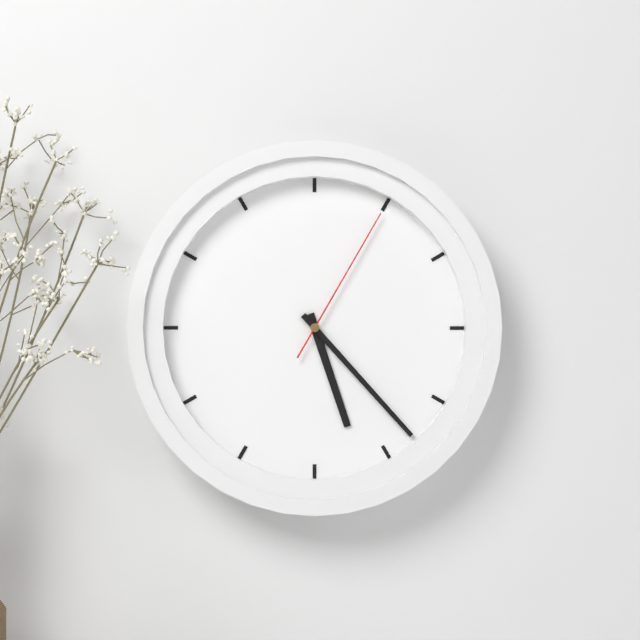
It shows 5,23,05
